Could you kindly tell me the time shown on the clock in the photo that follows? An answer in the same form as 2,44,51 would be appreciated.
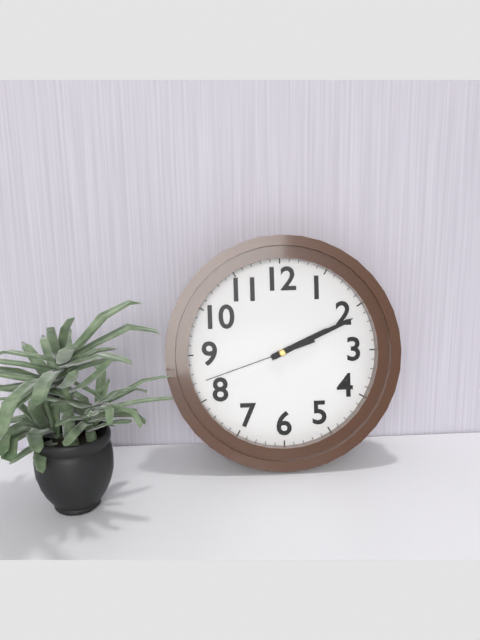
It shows 2,11,42
